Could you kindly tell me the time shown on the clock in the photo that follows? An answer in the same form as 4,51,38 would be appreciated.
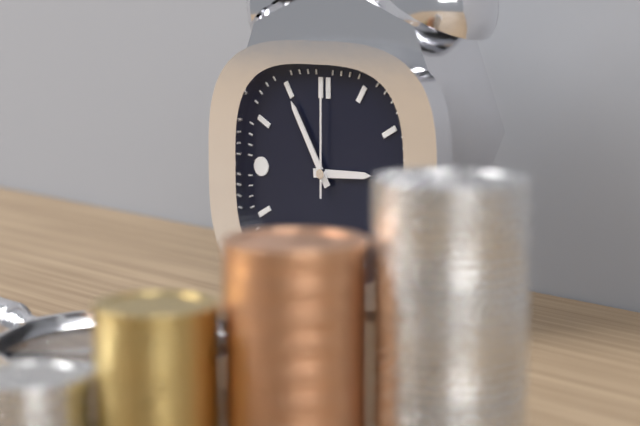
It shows 2,55,00
